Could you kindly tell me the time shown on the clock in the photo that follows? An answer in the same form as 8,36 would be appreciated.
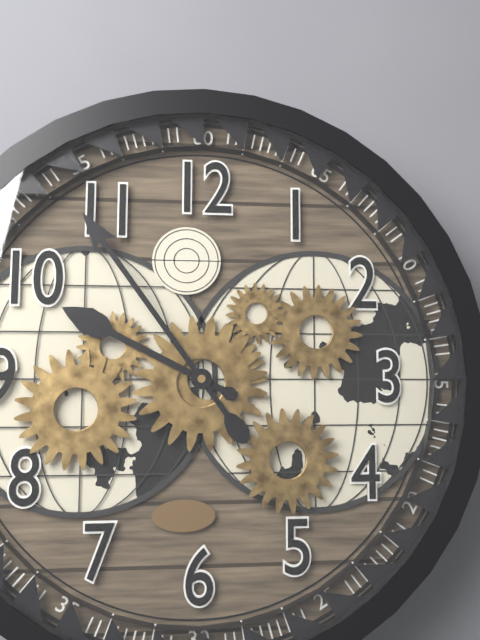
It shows 9,54
